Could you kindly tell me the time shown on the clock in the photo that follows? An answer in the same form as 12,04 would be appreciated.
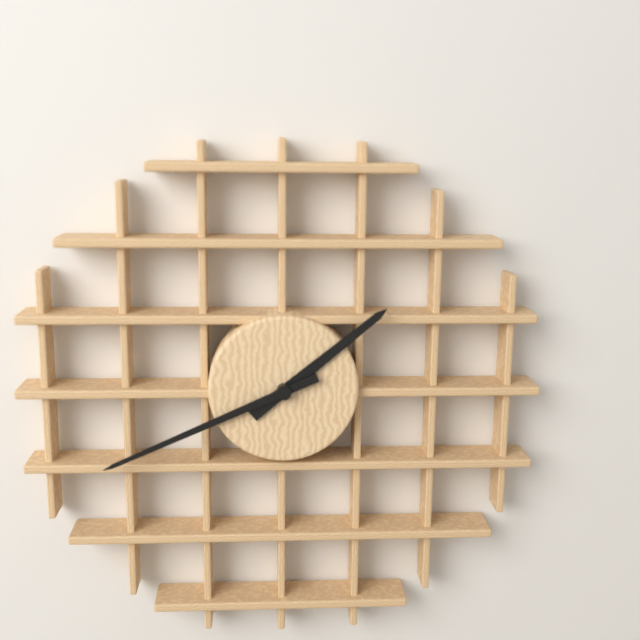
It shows 1,41
